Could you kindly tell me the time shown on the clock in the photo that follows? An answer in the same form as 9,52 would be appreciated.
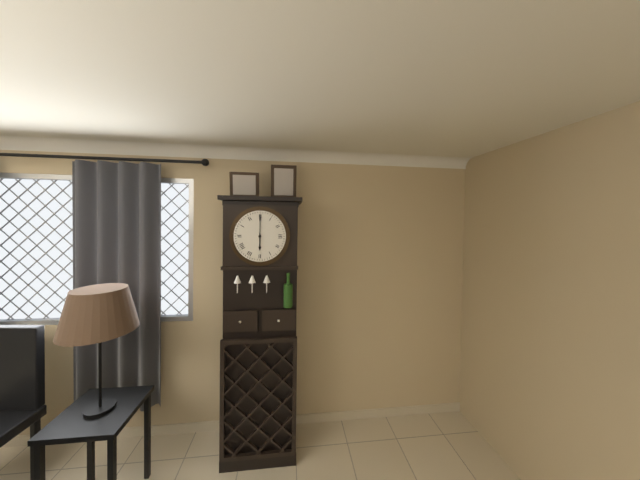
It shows 6,00
